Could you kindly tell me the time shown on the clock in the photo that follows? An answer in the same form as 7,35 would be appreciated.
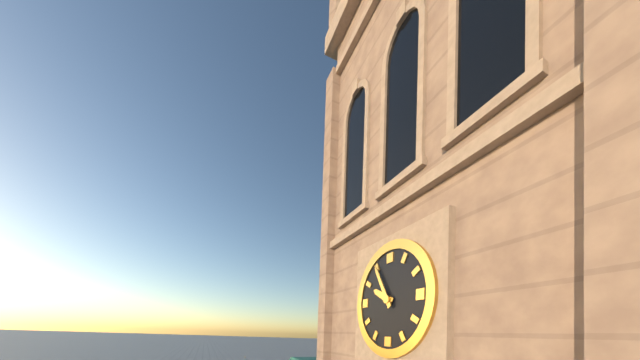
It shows 9,55
